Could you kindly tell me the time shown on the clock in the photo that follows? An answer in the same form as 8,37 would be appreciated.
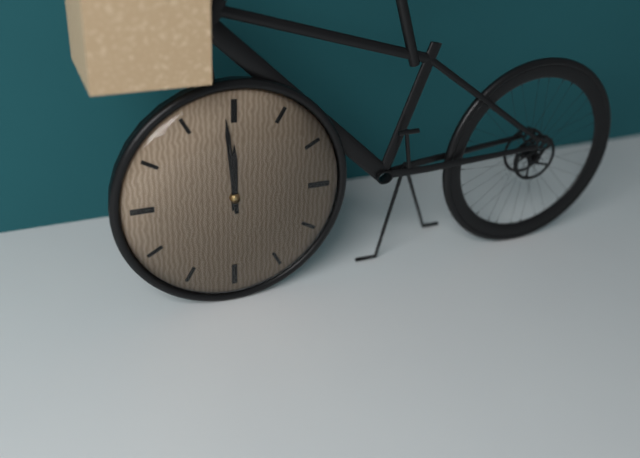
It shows 11,59
